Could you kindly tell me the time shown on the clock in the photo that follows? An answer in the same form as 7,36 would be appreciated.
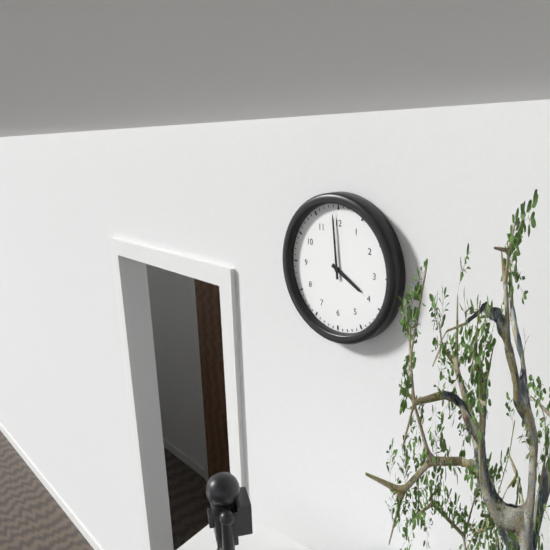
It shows 3,59
